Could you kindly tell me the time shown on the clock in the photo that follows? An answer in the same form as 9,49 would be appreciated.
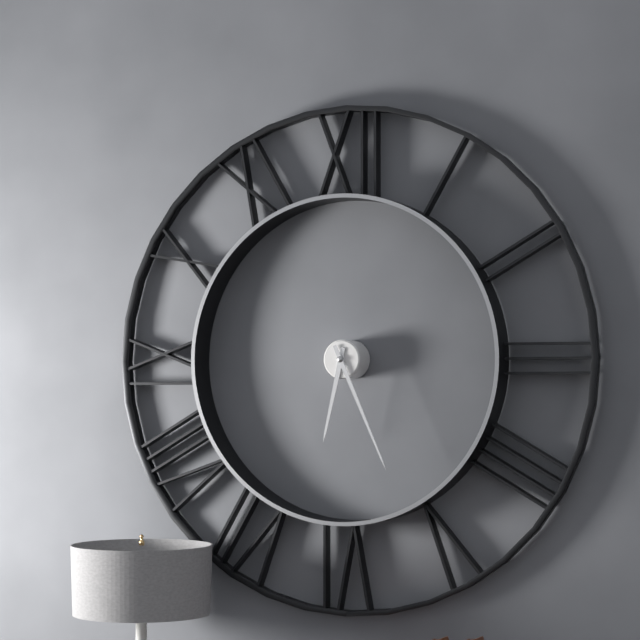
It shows 6,26
